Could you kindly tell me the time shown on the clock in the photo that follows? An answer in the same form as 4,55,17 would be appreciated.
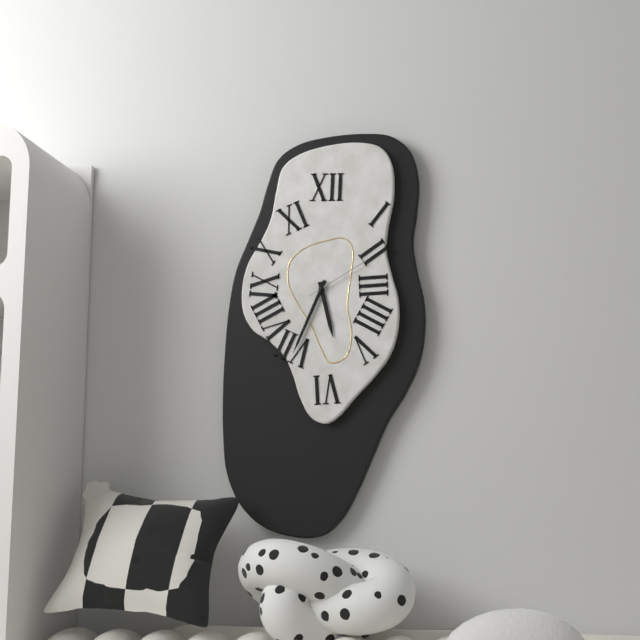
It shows 5,34,10
